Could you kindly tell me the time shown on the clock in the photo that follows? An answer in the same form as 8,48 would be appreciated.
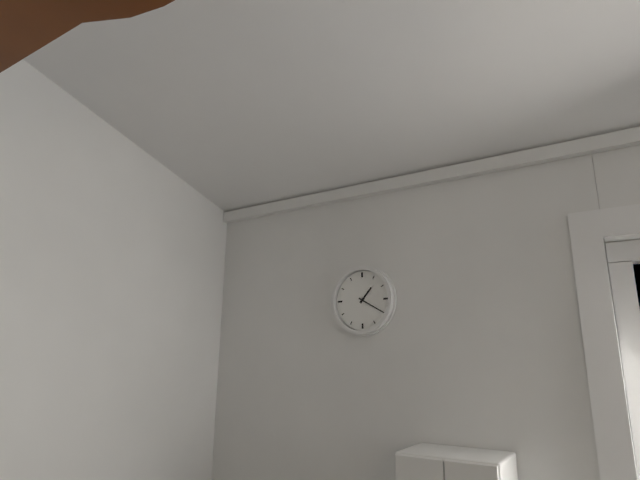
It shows 1,20
